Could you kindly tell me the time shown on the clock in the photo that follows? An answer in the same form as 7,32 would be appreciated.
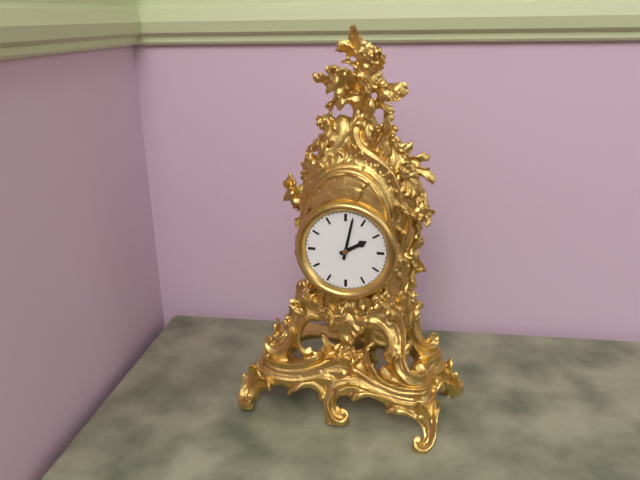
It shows 2,02
